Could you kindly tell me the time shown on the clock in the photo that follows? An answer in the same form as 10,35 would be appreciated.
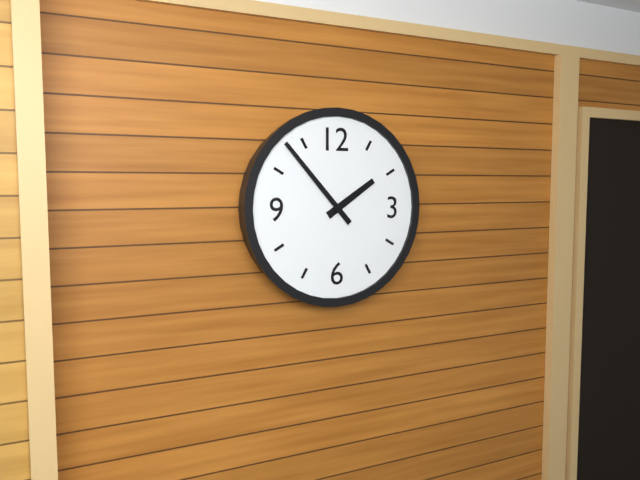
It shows 1,53
